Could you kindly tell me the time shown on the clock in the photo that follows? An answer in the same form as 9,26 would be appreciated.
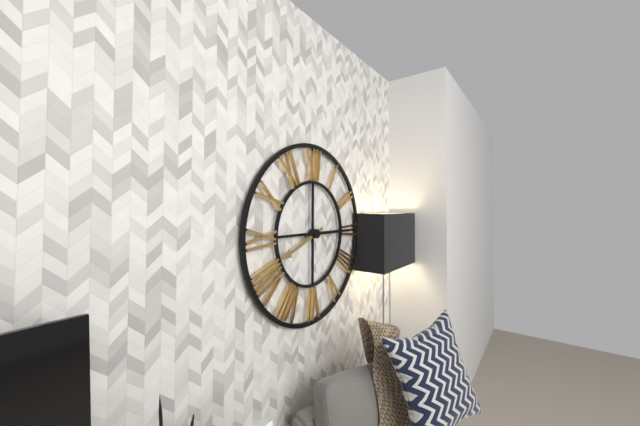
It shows 8,15
